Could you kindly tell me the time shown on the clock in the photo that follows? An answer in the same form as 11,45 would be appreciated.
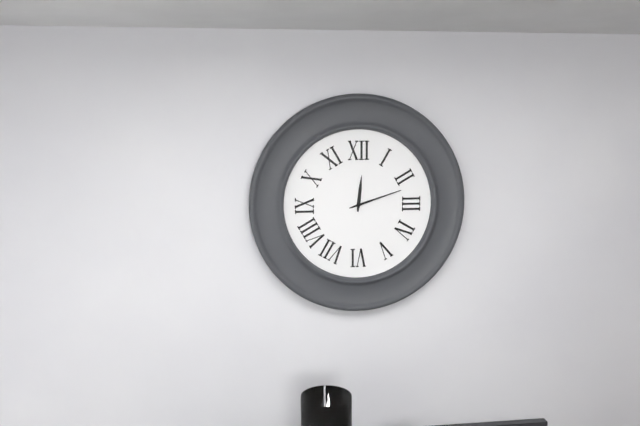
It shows 12,12
